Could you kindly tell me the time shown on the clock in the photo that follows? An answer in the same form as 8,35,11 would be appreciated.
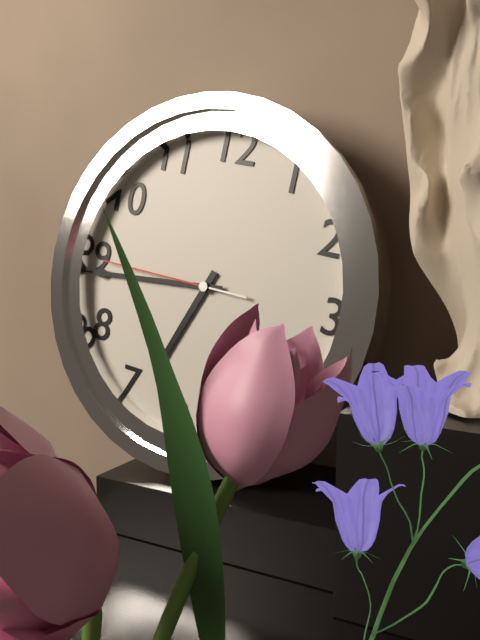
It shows 6,44,45
